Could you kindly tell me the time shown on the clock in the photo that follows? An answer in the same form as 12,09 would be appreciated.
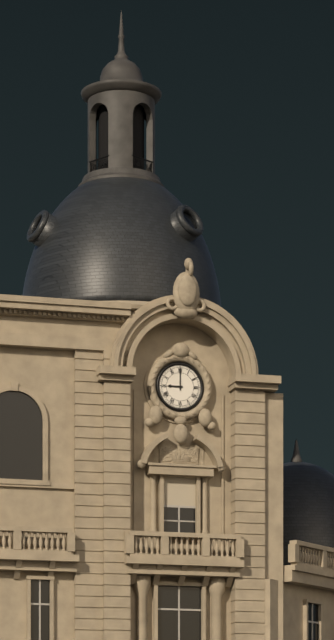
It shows 9,00
